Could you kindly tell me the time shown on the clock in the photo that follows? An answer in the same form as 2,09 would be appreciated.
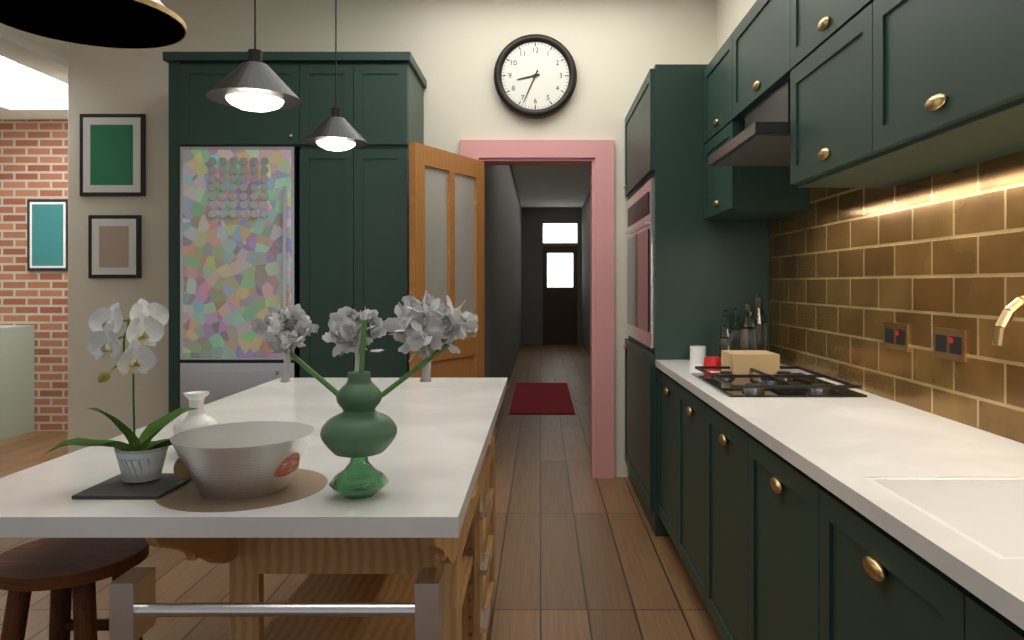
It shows 8,34
